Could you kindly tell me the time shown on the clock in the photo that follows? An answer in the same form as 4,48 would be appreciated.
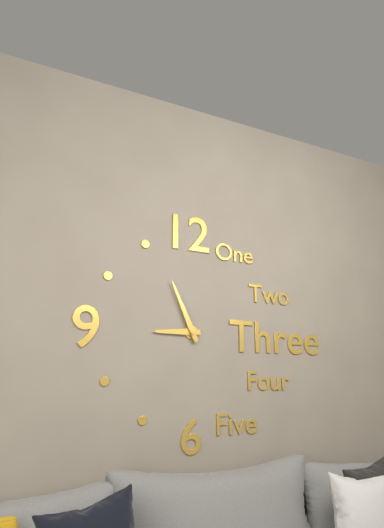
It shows 8,56
